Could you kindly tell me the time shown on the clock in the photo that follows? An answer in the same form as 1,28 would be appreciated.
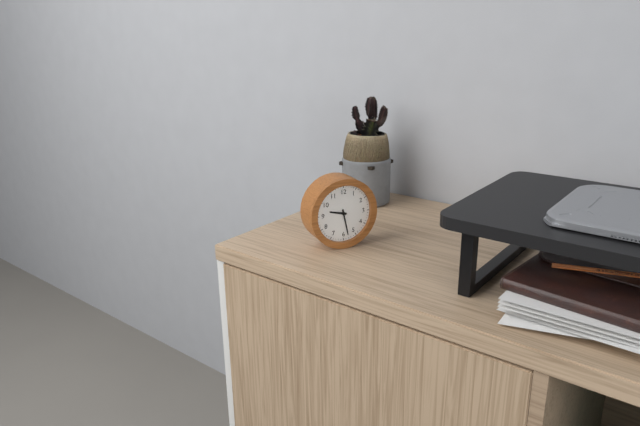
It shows 9,28
